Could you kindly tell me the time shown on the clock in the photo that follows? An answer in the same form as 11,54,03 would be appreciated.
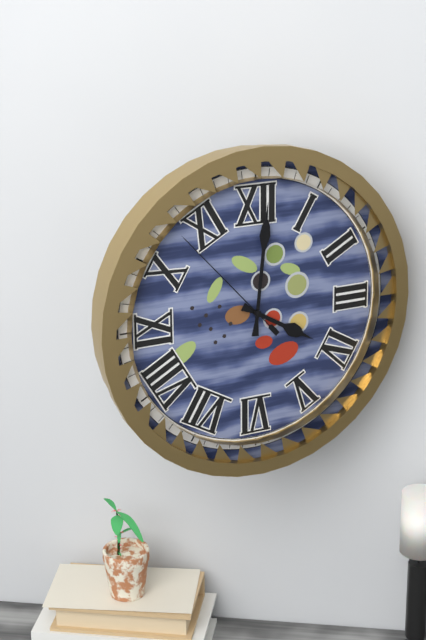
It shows 4,01,53
